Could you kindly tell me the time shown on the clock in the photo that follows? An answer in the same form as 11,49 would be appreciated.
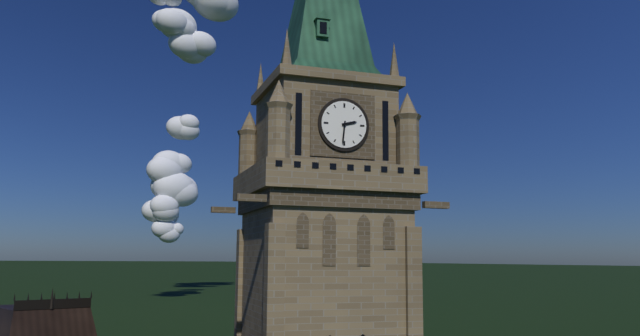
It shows 2,31
